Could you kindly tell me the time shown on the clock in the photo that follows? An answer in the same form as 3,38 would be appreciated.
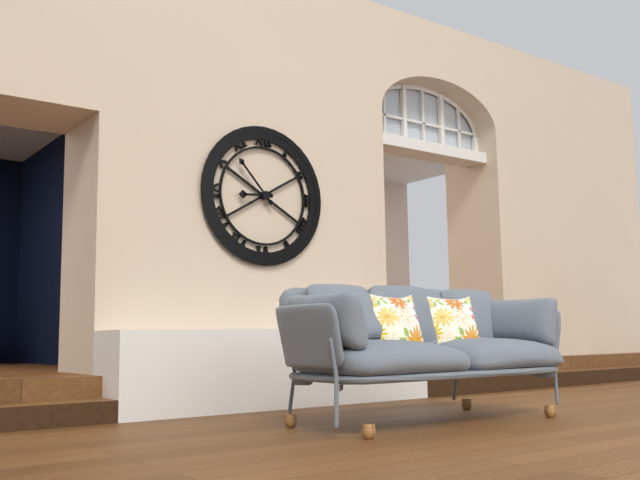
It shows 8,53
